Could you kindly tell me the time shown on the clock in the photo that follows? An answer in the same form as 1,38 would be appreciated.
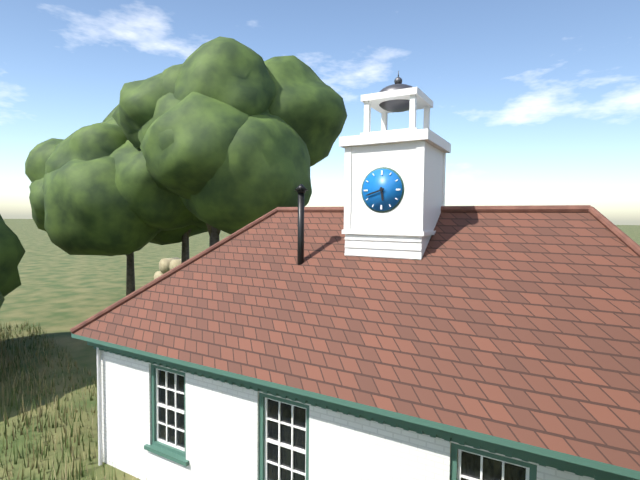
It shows 5,42
